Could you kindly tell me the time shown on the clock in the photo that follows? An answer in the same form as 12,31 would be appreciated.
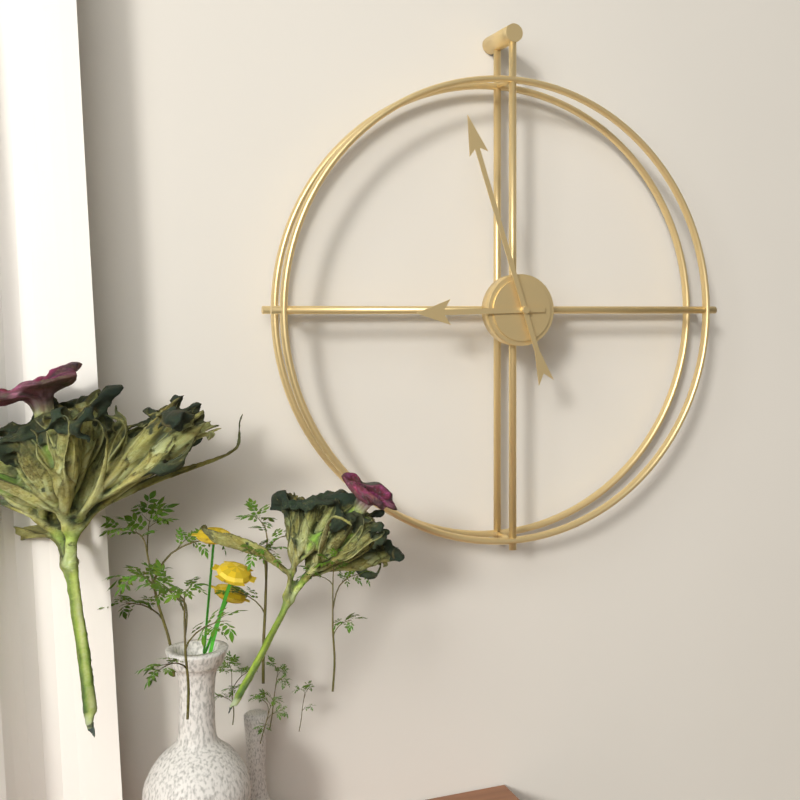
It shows 8,57
